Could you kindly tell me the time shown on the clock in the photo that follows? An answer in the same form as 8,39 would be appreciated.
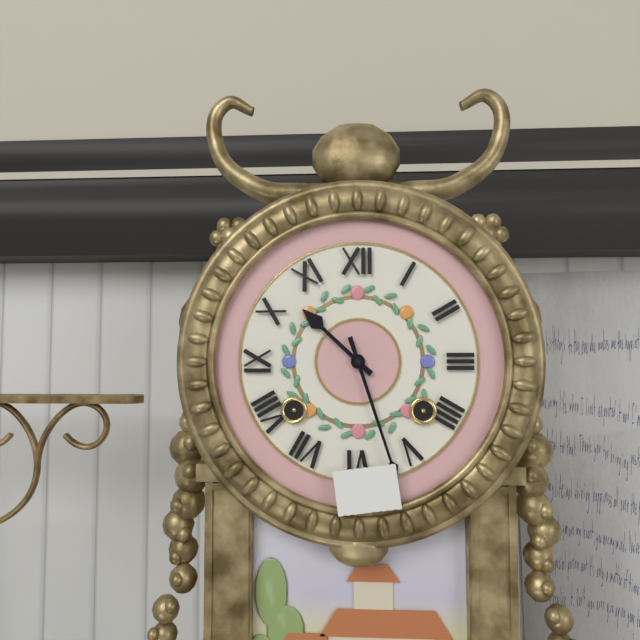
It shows 10,27
